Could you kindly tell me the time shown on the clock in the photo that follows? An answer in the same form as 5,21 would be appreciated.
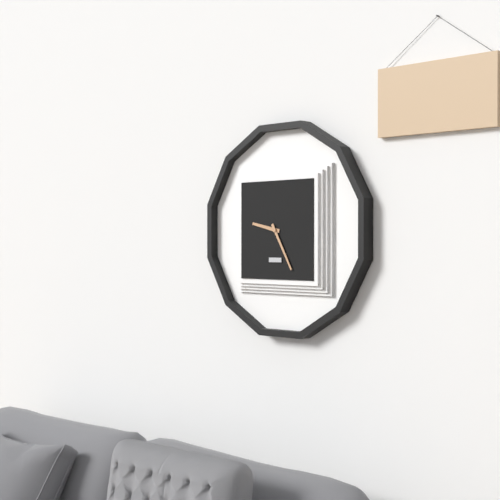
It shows 9,25
